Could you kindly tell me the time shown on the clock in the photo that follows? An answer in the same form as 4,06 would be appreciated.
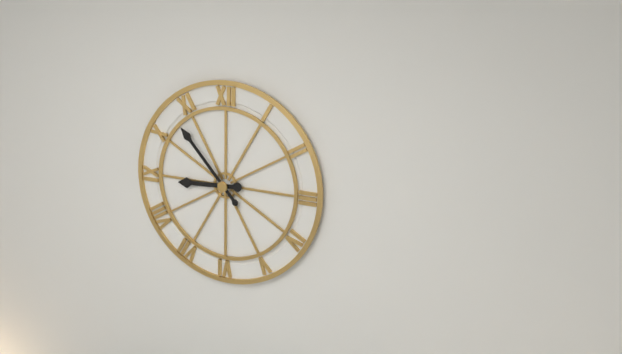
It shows 8,53
